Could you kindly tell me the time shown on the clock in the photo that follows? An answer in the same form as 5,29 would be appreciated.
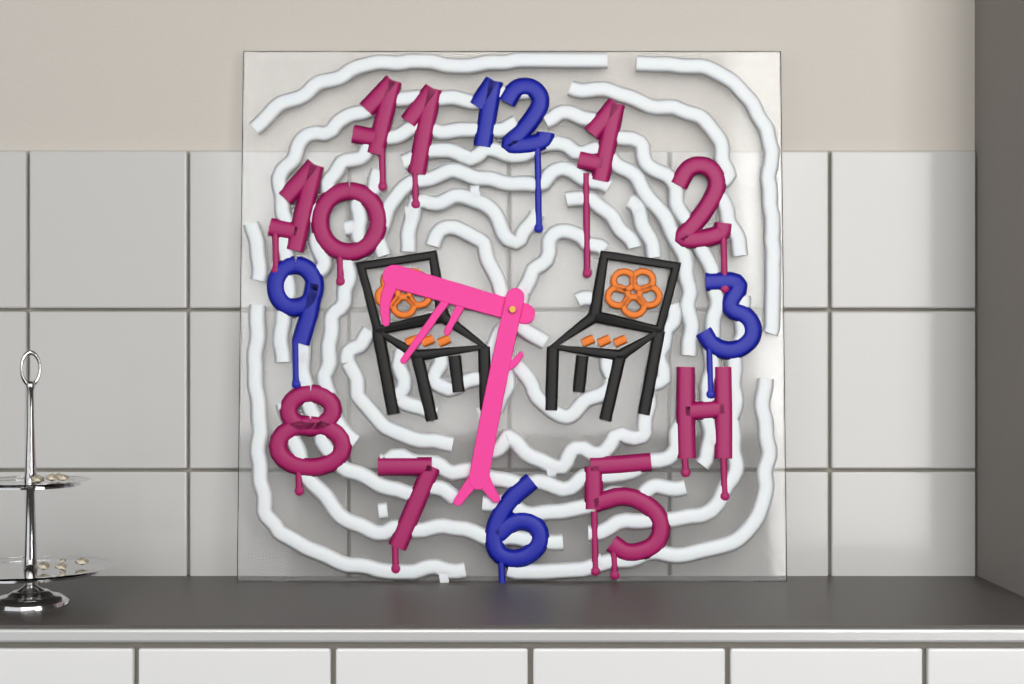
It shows 9,32
